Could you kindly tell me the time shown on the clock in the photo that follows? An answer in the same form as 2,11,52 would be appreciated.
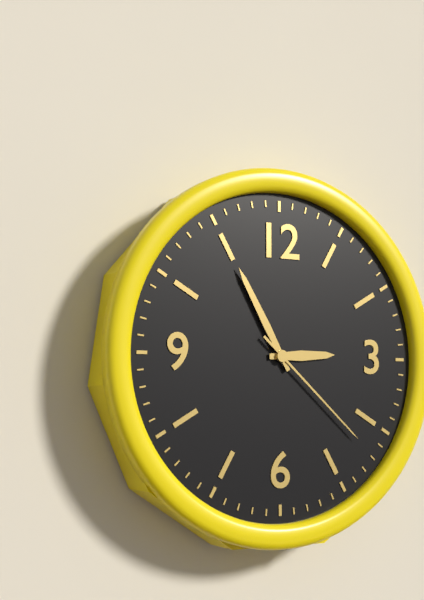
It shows 2,55,22
